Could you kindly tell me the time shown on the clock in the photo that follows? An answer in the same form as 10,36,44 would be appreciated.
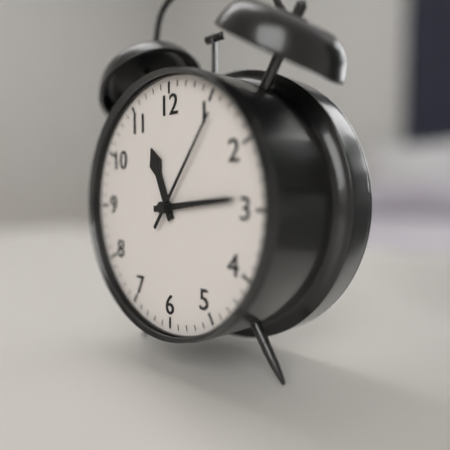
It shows 11,14,06
